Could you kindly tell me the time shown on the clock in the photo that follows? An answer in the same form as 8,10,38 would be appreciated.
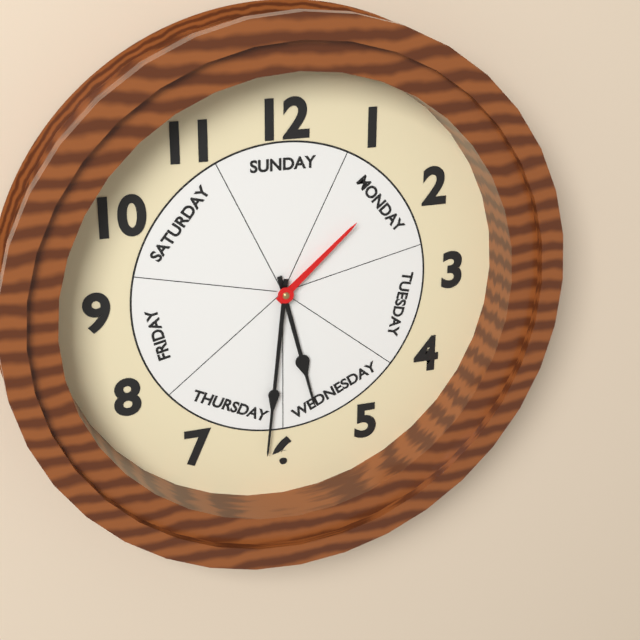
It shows 5,31,08
